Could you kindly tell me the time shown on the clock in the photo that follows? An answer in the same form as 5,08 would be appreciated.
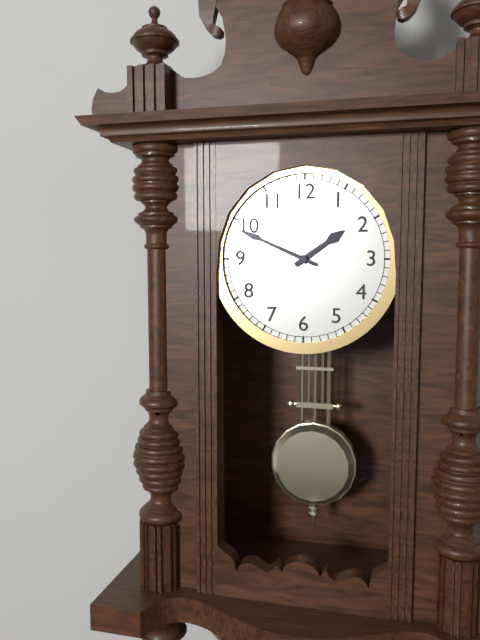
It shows 1,49
